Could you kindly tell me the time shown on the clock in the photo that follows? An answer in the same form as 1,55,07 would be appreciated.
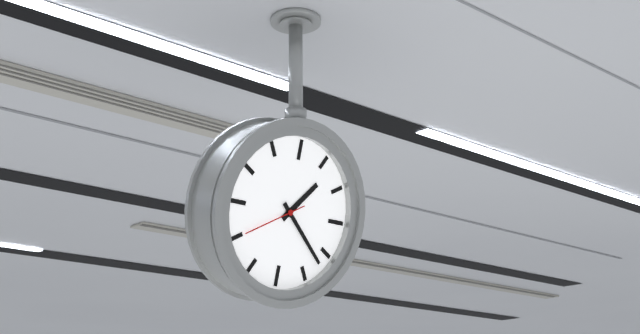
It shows 1,22,40
